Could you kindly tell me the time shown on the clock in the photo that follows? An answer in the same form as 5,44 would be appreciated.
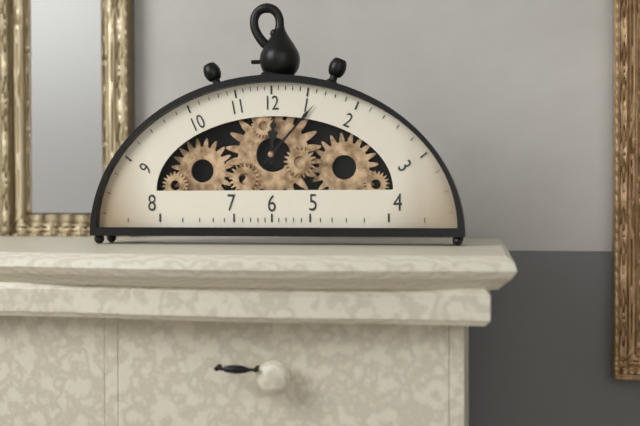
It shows 12,07
